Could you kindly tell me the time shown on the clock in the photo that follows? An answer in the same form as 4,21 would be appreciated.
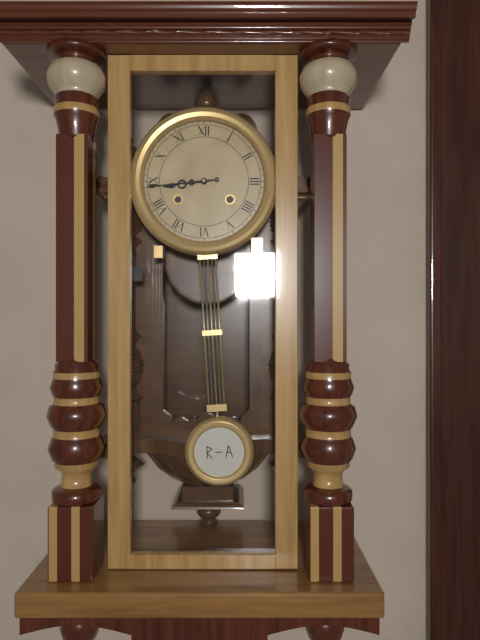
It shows 8,44
